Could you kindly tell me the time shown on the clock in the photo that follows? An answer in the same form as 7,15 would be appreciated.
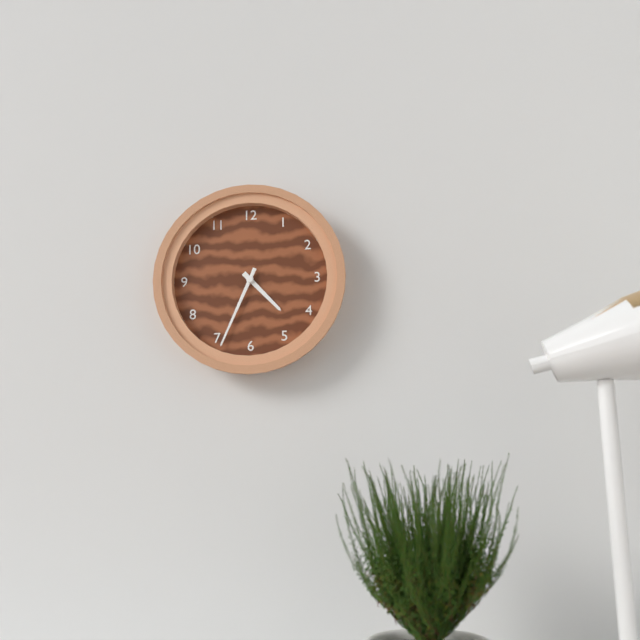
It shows 4,34
